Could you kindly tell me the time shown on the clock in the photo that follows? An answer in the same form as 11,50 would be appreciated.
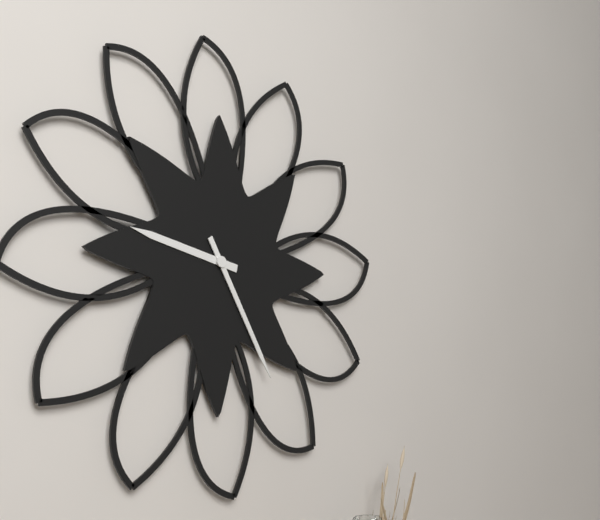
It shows 9,25
